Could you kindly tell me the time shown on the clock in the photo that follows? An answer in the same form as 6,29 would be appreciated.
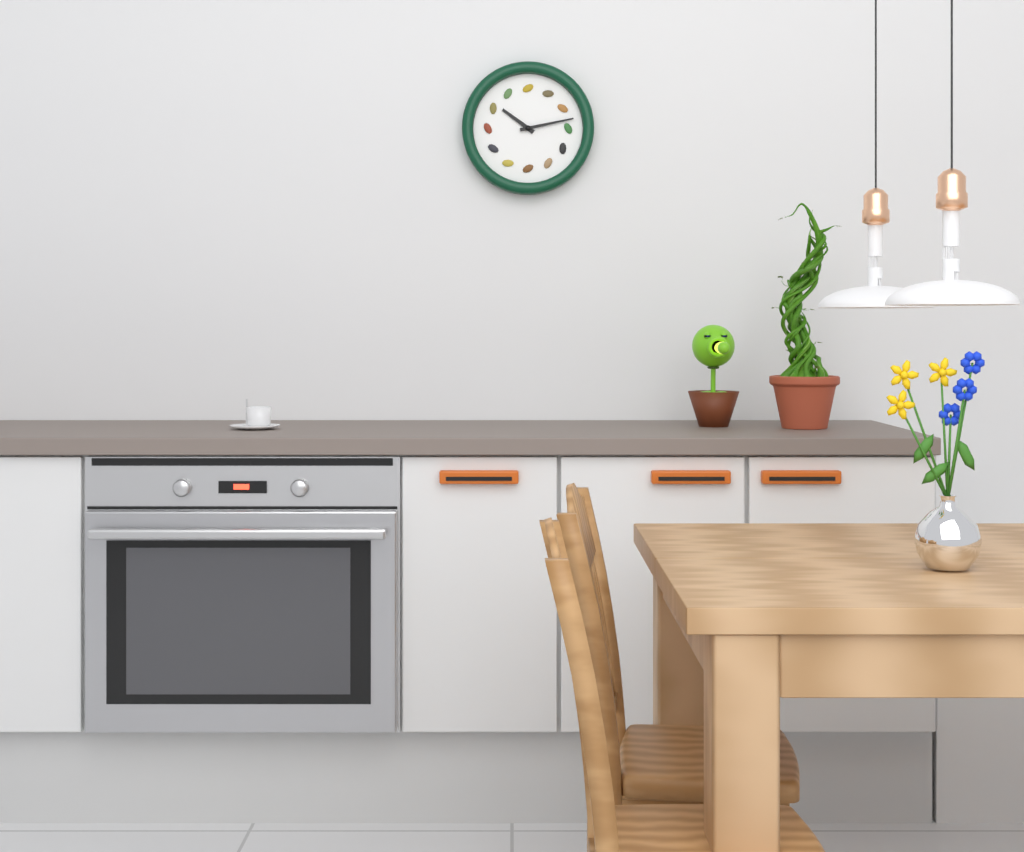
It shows 10,13
